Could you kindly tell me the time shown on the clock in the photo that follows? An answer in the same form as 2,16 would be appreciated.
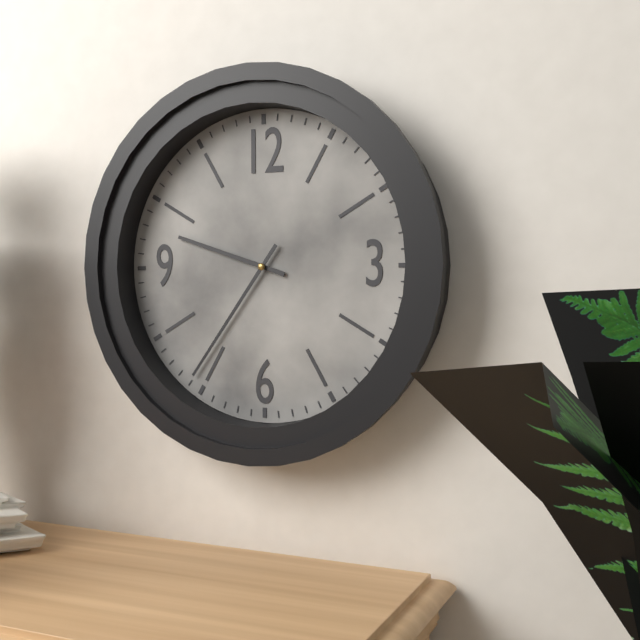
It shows 9,36
